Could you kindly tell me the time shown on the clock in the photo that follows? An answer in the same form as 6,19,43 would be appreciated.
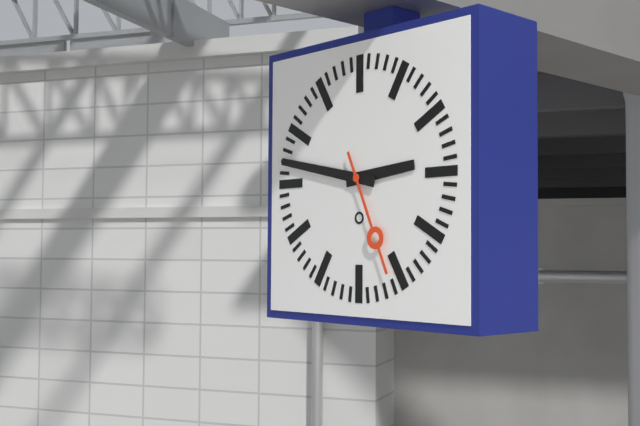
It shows 2,47,26
